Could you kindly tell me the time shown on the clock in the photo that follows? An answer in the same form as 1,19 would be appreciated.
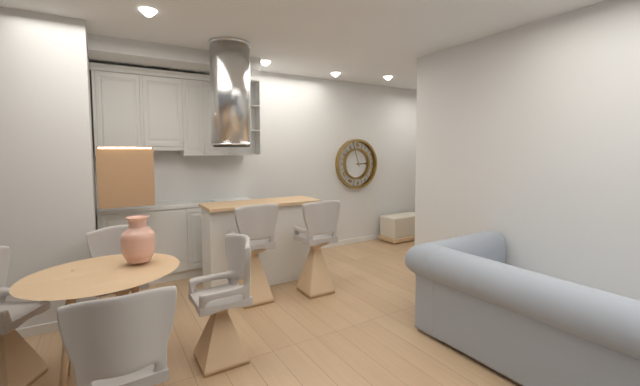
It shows 2,57
